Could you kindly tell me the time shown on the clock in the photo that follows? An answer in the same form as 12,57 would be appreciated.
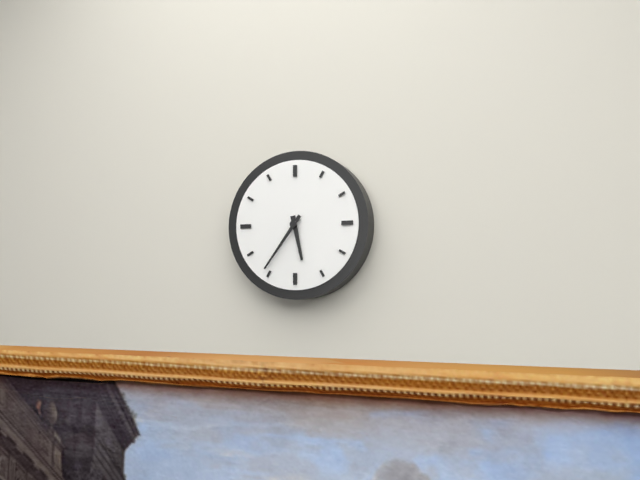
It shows 5,36
